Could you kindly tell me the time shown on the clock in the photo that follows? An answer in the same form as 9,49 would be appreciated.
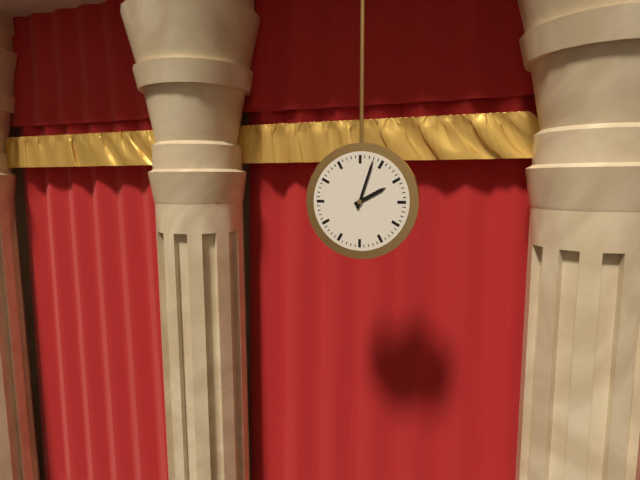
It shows 2,03
